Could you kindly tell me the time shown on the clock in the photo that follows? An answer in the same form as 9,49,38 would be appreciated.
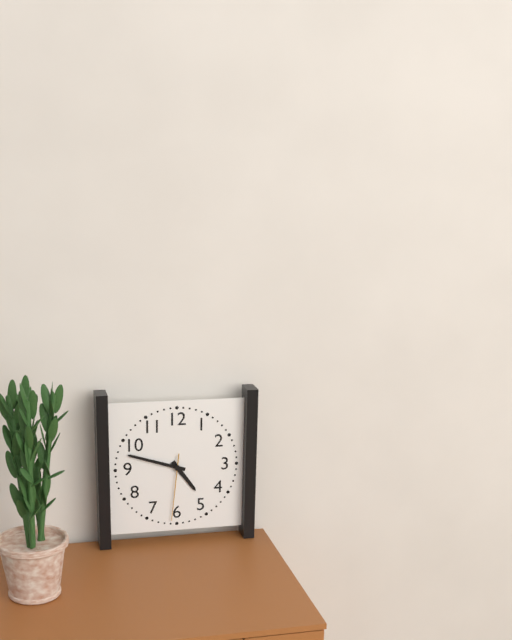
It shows 4,48,31
